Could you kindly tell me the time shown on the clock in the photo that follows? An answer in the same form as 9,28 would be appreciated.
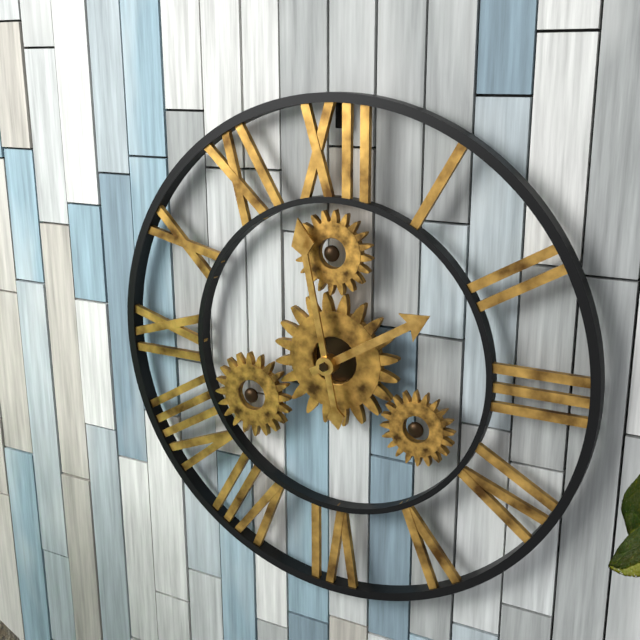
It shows 1,58
